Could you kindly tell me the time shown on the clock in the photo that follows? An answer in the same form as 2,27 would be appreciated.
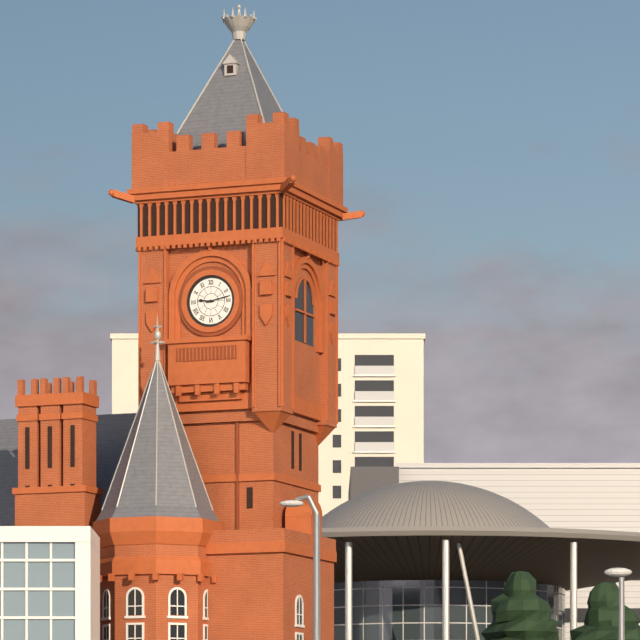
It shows 9,13
